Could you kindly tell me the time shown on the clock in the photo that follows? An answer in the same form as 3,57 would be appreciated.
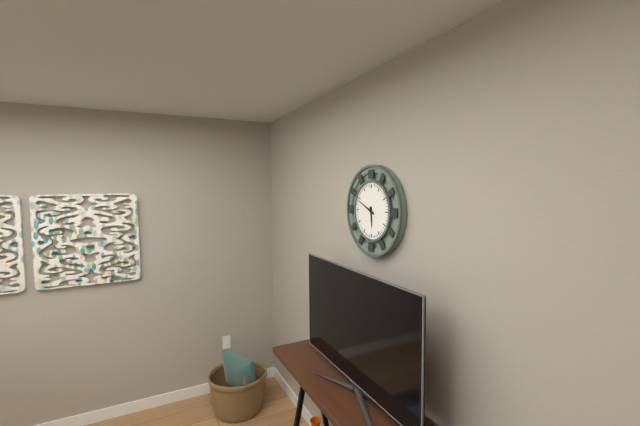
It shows 5,49
